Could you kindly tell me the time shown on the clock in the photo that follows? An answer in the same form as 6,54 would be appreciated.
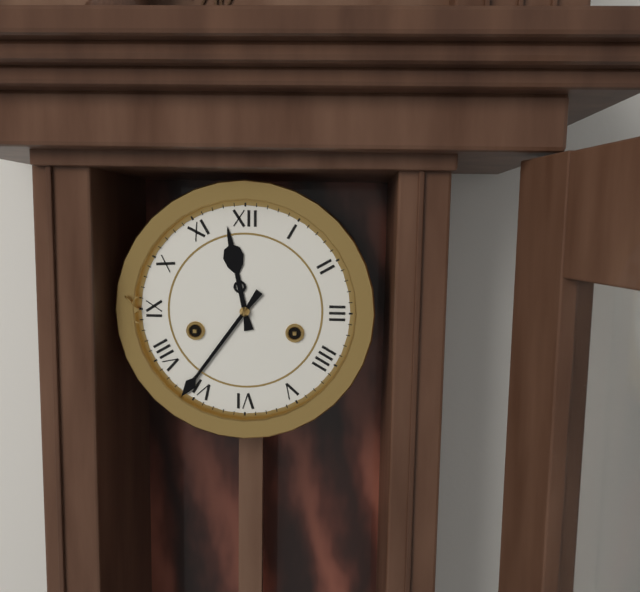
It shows 11,36
